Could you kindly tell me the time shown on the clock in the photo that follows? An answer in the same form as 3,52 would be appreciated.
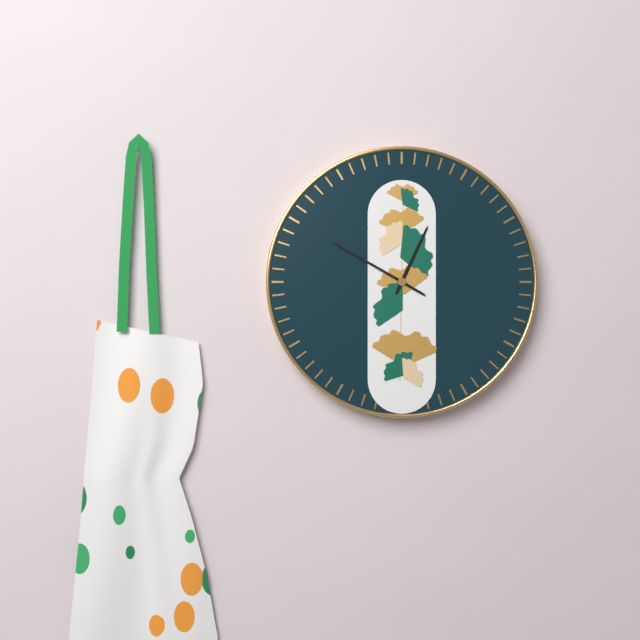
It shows 12,50
